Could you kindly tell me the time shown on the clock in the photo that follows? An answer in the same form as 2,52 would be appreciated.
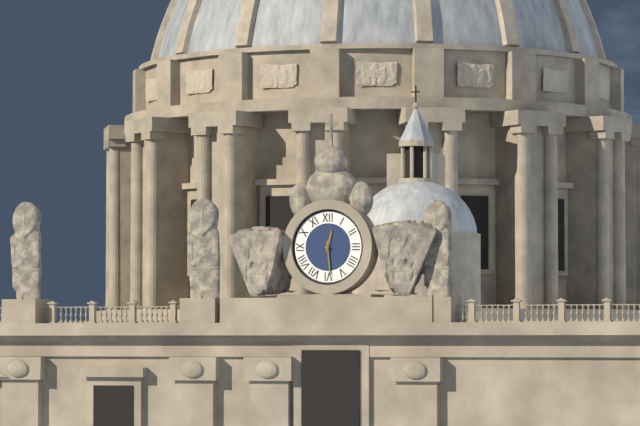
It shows 12,29
